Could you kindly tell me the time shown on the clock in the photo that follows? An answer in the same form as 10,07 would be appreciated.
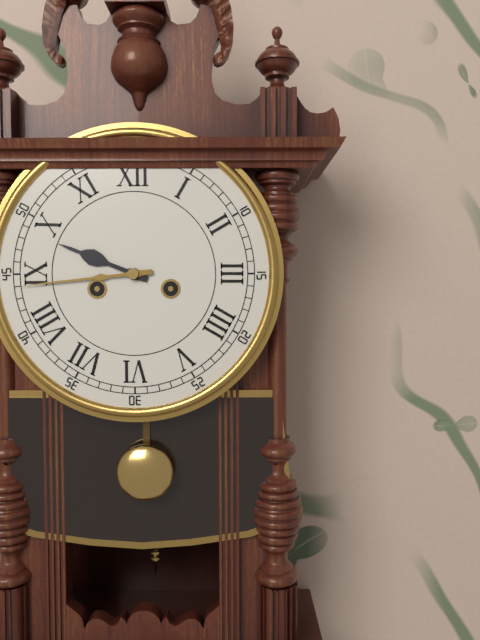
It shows 9,44
